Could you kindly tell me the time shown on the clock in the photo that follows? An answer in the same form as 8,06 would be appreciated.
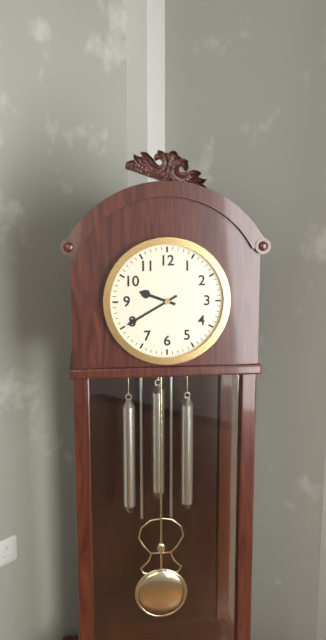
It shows 9,40
